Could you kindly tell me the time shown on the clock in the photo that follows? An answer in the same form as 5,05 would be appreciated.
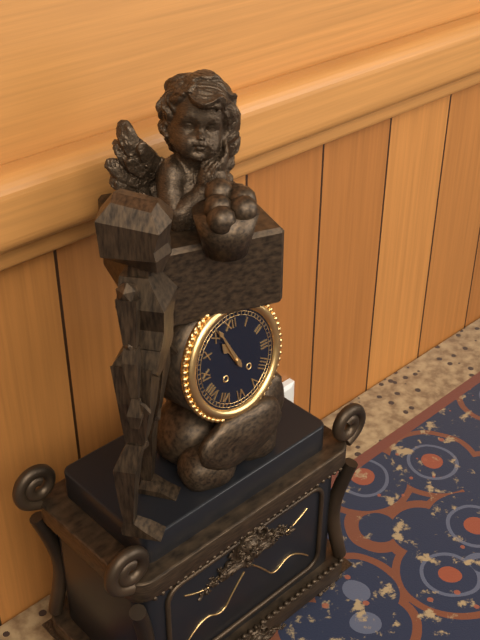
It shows 10,56
